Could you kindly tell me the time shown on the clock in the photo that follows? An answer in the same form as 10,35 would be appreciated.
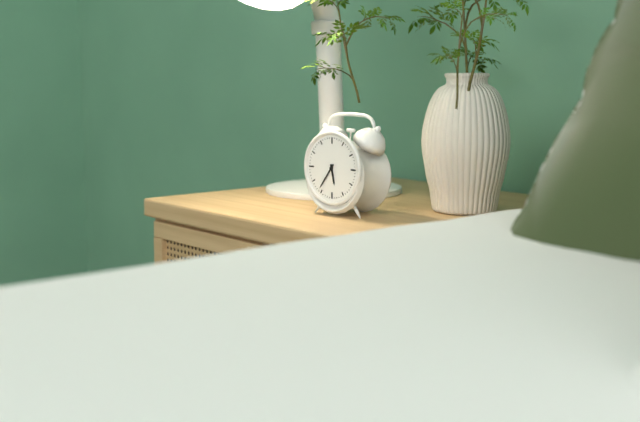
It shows 5,36
